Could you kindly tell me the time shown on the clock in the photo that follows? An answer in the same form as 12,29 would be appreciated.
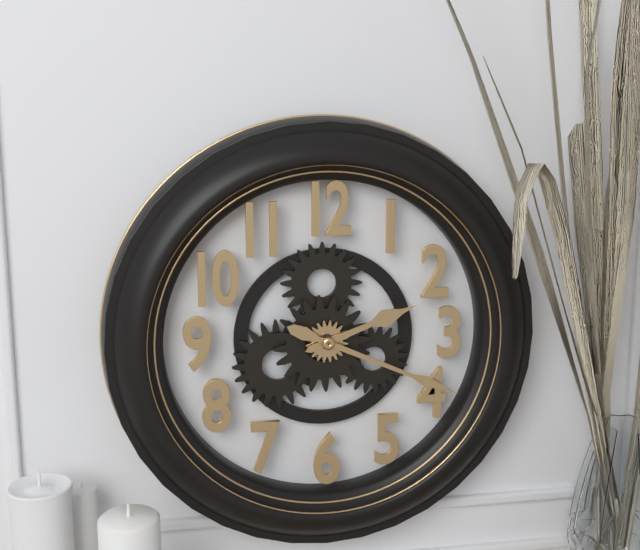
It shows 2,19
